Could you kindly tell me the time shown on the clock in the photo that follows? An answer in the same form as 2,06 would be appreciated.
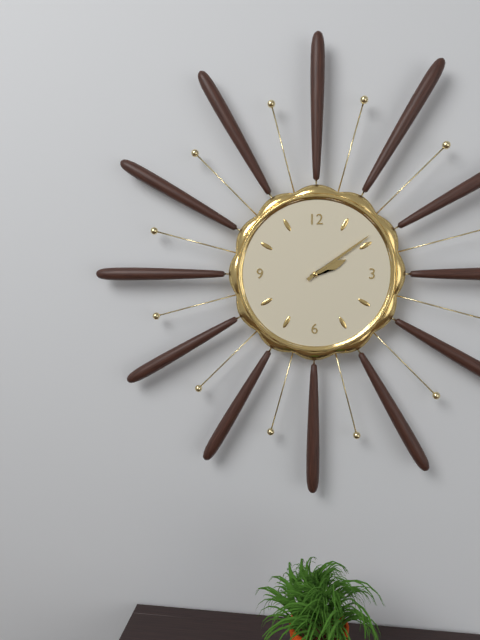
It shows 2,09
